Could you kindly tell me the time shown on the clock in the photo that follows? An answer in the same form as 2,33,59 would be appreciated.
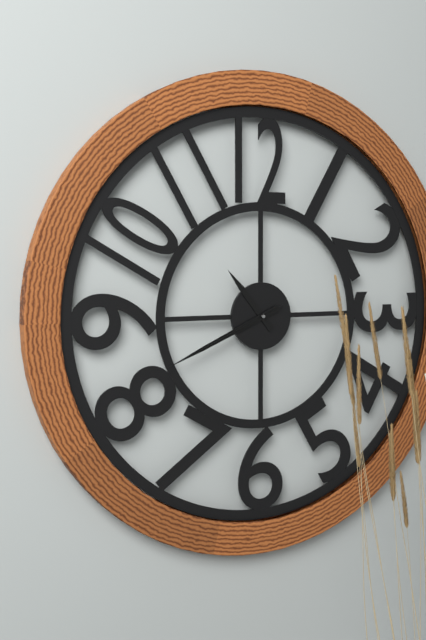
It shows 10,41,41
